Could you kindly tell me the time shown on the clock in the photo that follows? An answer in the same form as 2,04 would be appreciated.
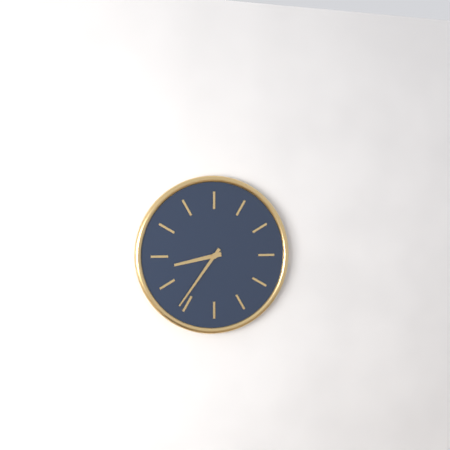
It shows 8,36
